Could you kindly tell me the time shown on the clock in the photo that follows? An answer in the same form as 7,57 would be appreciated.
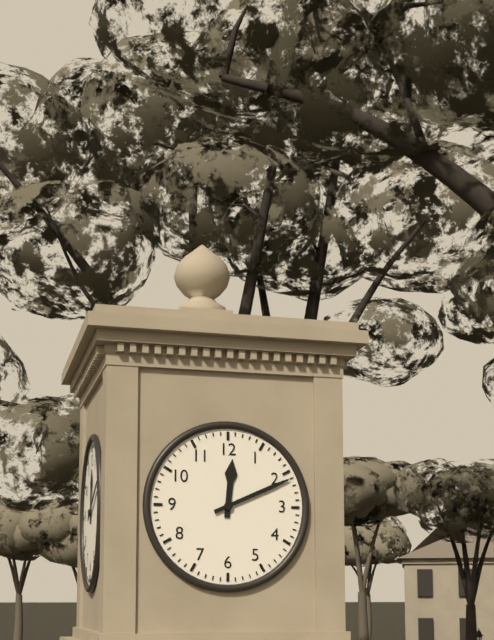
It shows 12,11
